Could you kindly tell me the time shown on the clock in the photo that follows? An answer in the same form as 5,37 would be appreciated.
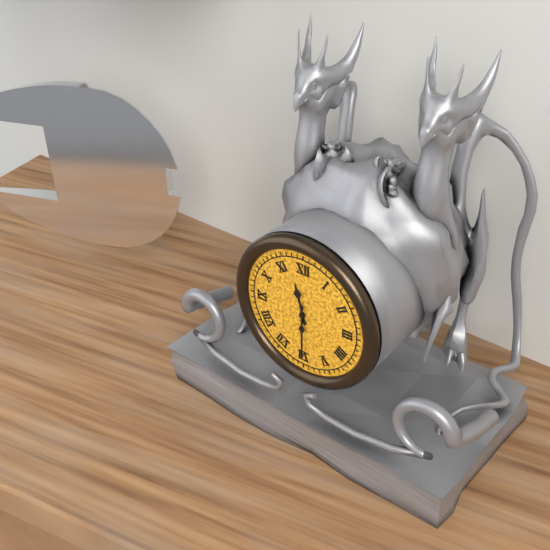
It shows 11,30
